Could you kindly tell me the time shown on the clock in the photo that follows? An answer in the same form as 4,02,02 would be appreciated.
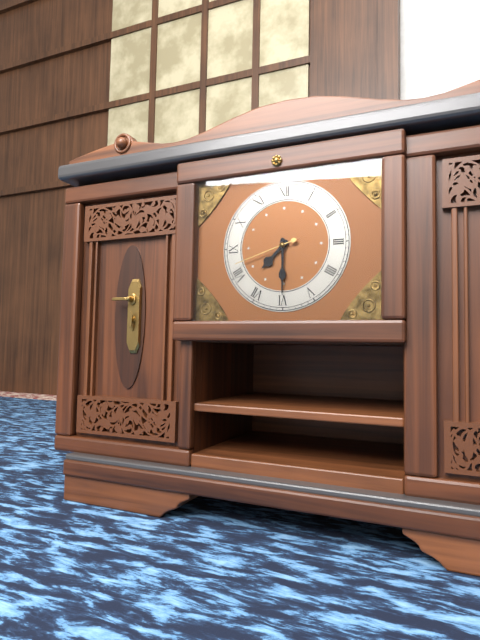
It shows 7,30,42
